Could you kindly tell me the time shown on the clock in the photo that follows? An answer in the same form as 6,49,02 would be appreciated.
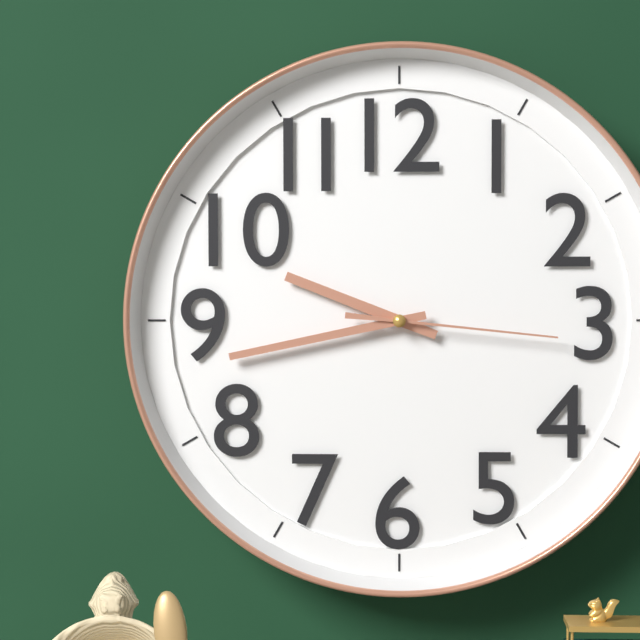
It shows 9,43,16
